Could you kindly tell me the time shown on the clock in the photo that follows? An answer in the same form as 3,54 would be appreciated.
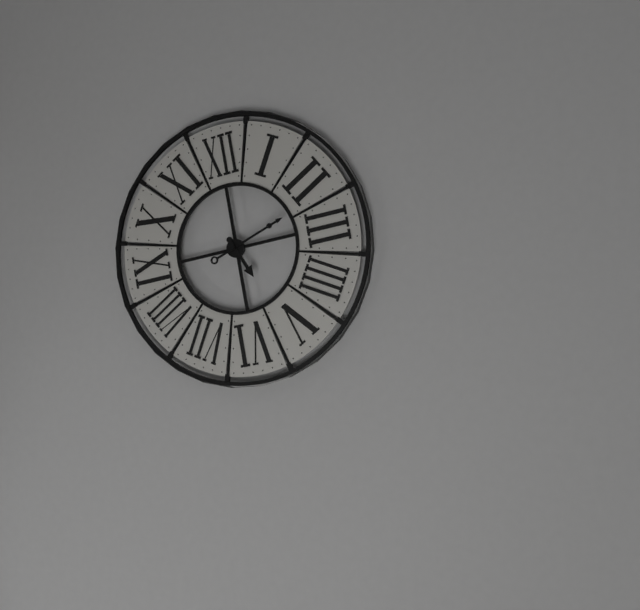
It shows 5,12
